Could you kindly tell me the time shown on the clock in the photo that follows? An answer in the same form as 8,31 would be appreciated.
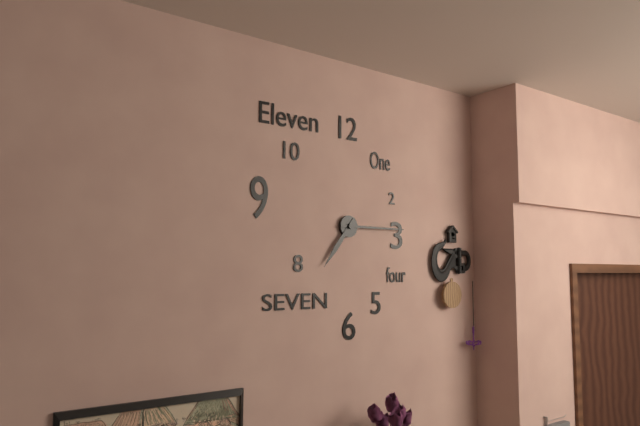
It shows 7,15
